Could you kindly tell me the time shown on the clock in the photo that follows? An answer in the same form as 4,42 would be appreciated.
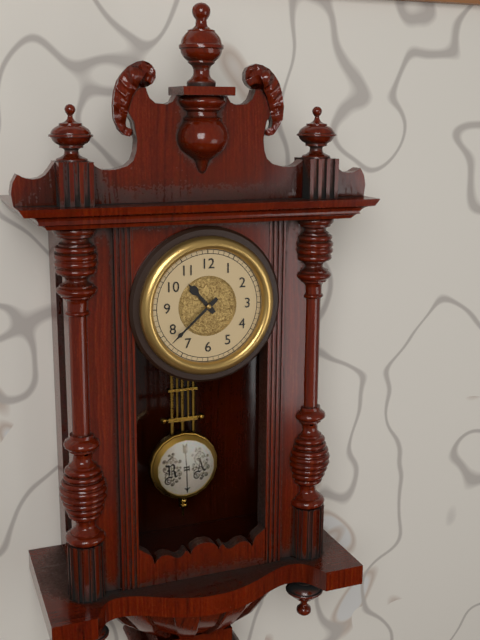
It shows 10,38
